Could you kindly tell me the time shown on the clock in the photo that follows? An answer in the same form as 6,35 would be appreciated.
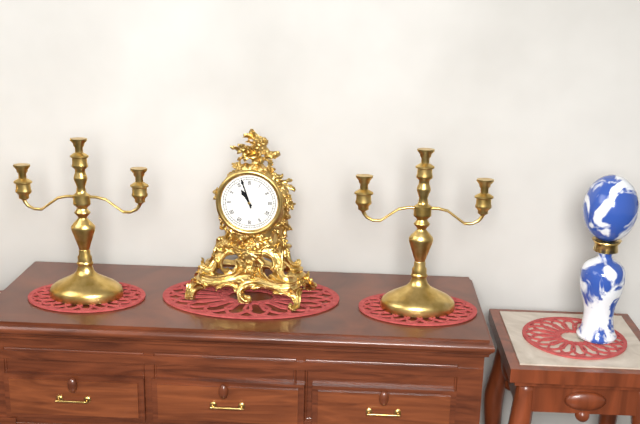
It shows 10,57
